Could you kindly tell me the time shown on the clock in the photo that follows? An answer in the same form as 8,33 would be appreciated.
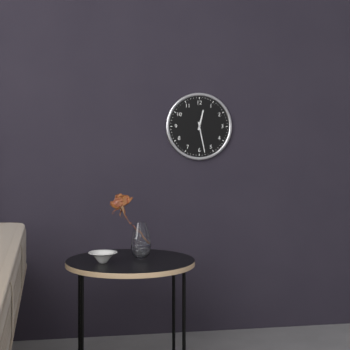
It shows 12,28
